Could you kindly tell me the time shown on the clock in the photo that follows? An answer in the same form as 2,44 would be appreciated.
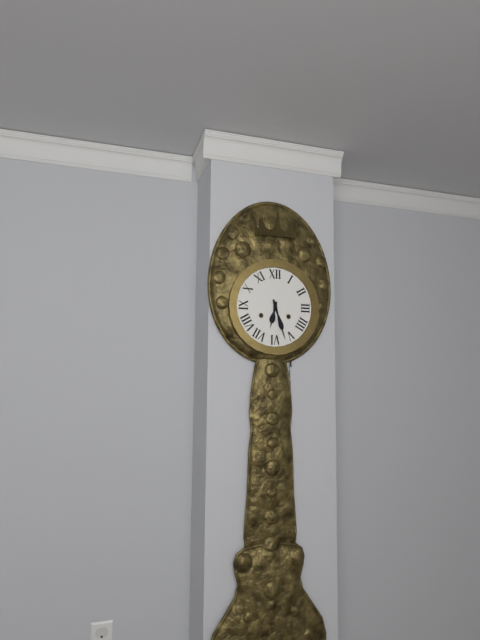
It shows 6,27
